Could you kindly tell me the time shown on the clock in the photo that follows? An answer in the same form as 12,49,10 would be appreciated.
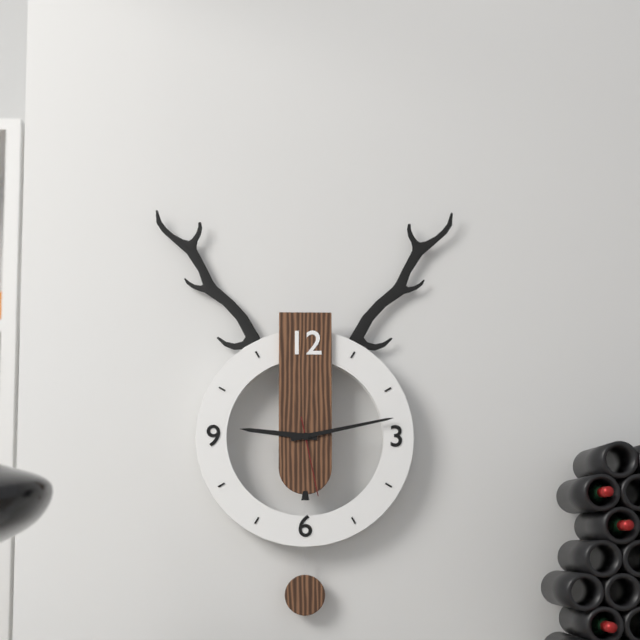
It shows 9,13,28
